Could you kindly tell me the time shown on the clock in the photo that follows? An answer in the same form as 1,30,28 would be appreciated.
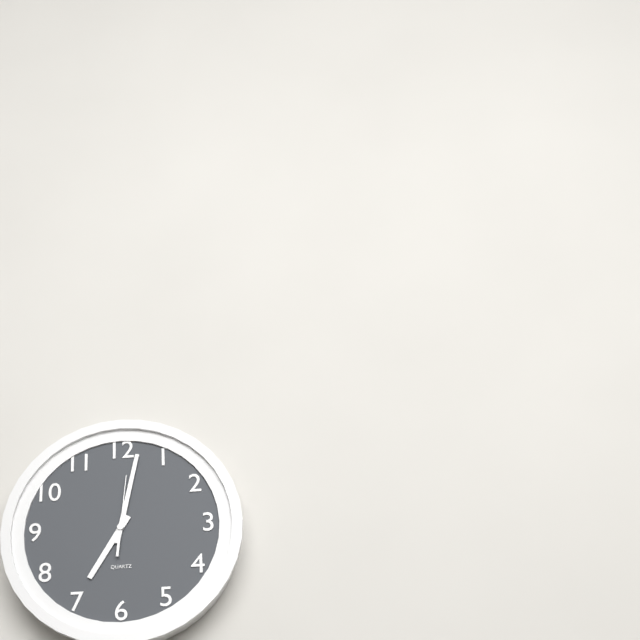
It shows 7,02,01
